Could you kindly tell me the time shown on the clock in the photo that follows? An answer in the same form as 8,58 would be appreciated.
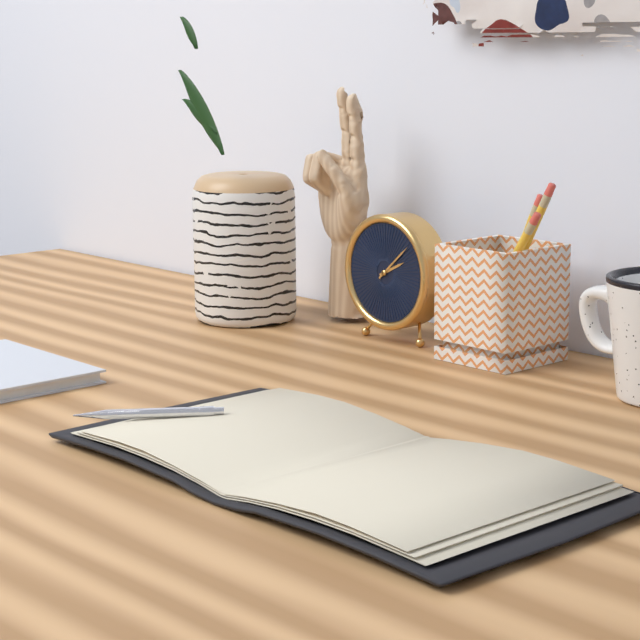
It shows 2,08
